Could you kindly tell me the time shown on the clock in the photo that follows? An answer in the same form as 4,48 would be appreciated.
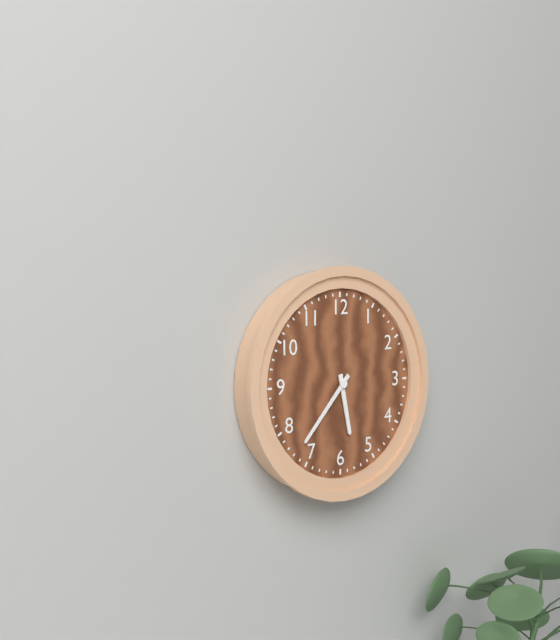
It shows 5,37
